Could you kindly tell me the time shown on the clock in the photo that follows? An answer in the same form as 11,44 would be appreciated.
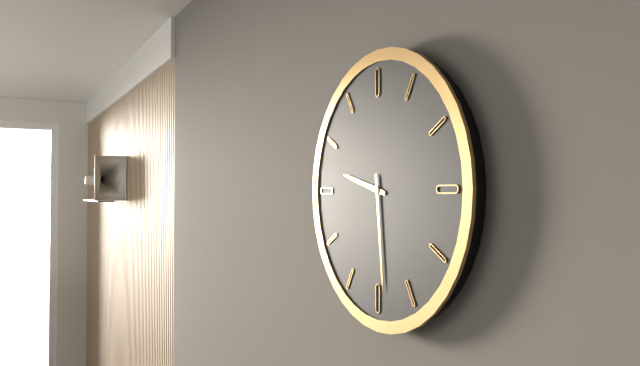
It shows 9,29
